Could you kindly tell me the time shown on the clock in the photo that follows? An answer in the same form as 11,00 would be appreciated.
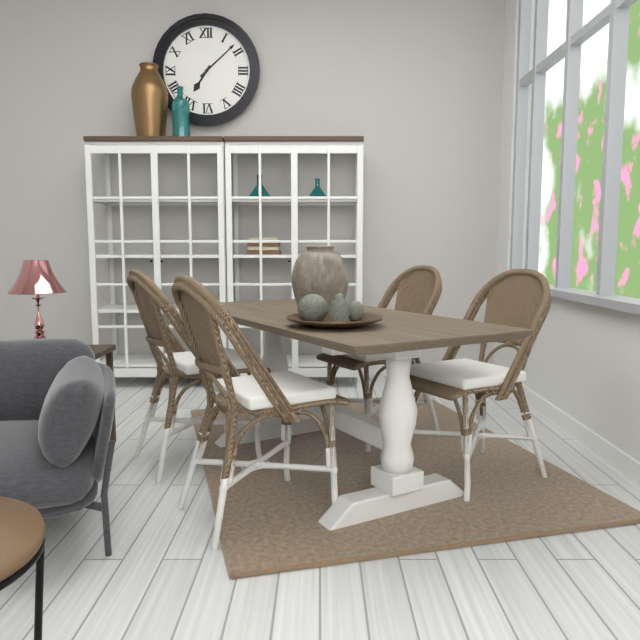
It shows 7,08
